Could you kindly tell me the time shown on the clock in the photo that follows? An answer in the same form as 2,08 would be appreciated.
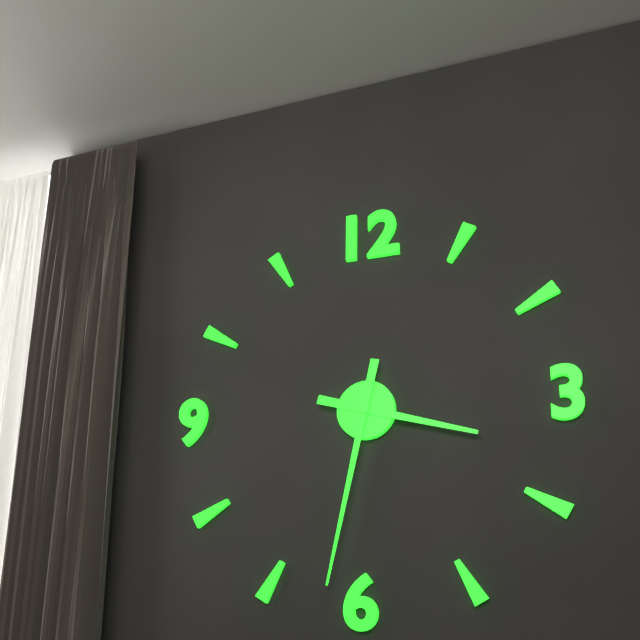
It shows 3,32
